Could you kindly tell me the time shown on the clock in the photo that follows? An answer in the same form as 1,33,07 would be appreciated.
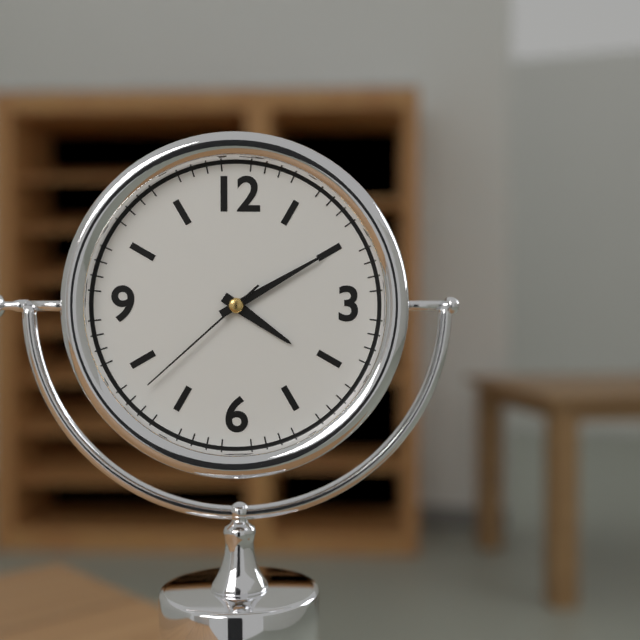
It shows 4,10,38
